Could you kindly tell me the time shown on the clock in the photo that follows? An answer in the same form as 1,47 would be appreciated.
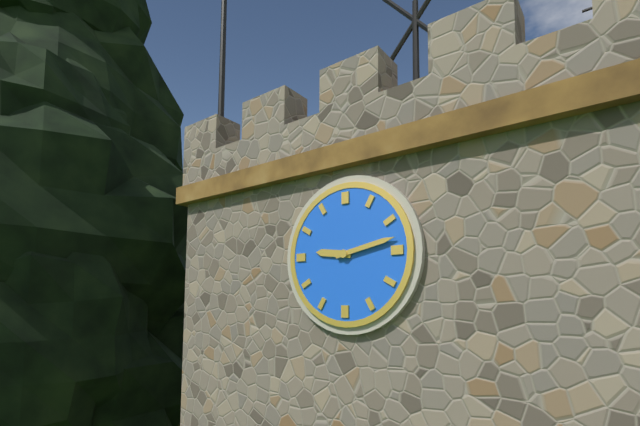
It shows 9,13
